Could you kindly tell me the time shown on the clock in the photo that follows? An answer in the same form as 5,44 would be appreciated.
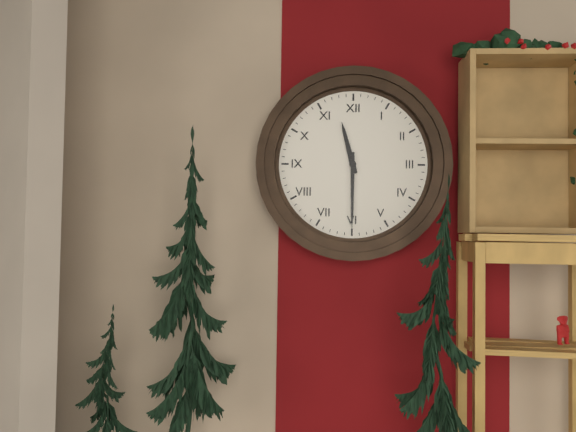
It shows 11,30
